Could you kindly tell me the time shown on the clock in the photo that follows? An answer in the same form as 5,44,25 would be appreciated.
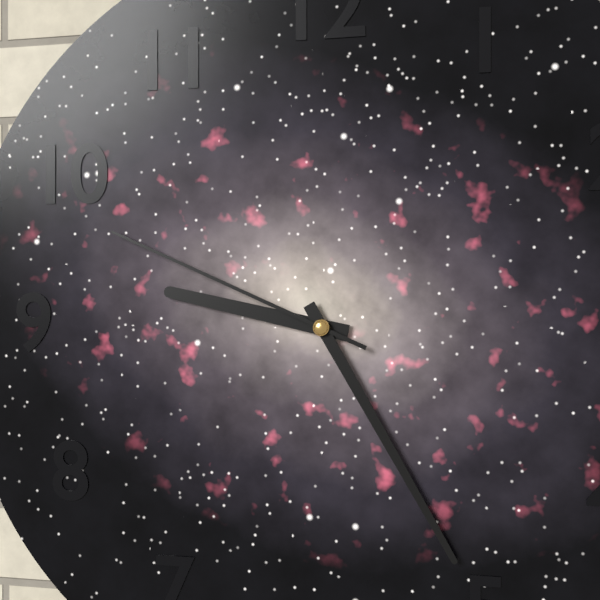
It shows 9,25,49
